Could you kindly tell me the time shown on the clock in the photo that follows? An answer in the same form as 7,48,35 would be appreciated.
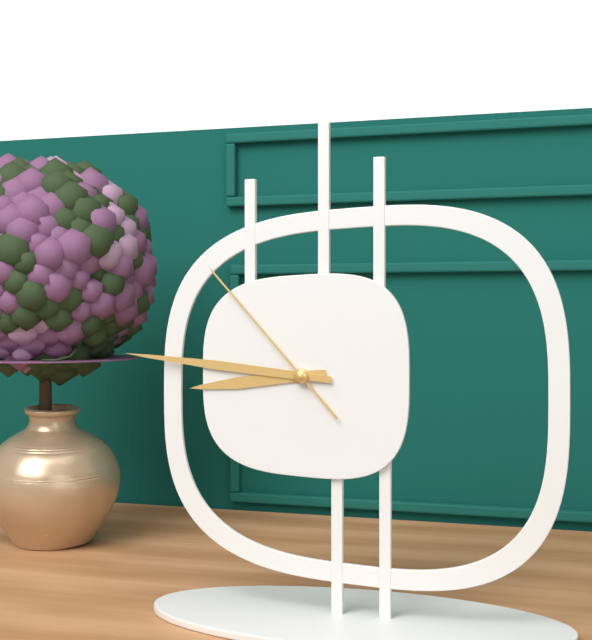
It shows 8,46,53
